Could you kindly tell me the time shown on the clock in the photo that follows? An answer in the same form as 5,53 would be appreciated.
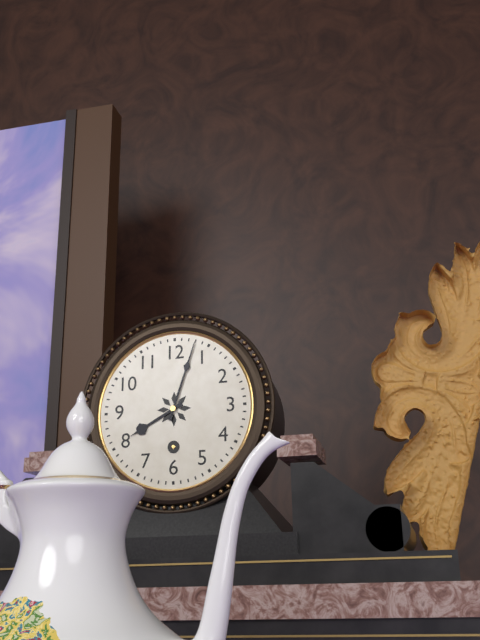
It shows 8,03
